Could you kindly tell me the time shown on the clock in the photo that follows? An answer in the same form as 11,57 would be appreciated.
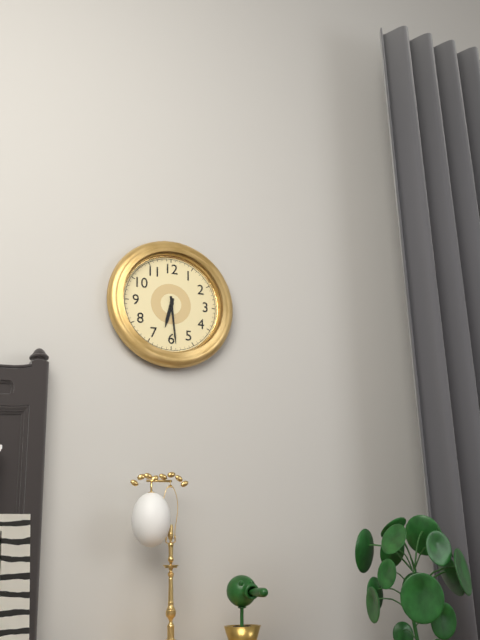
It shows 6,29
